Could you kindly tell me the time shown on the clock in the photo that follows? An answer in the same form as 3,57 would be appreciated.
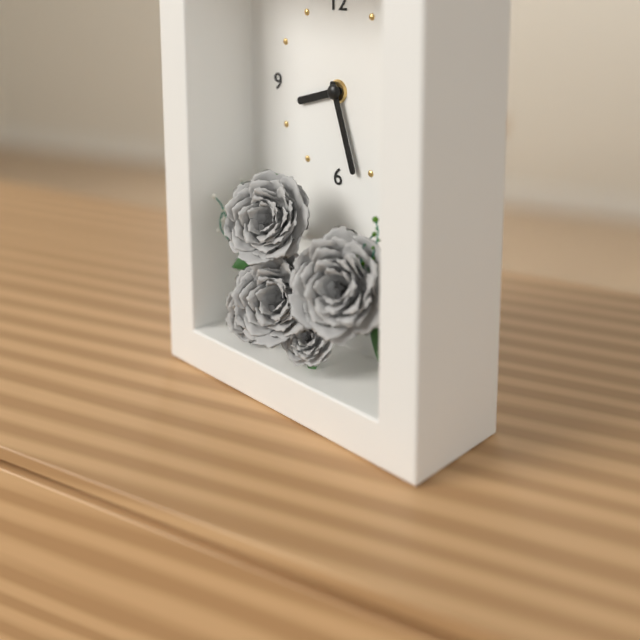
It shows 8,27
